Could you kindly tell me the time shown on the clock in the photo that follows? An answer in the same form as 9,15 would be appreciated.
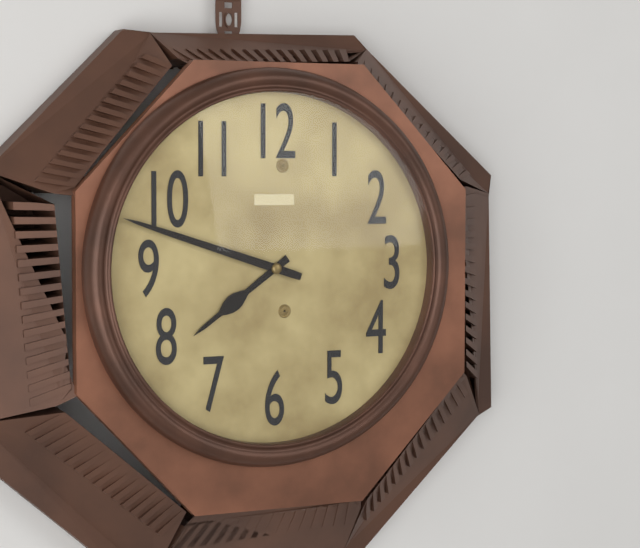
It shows 7,48
